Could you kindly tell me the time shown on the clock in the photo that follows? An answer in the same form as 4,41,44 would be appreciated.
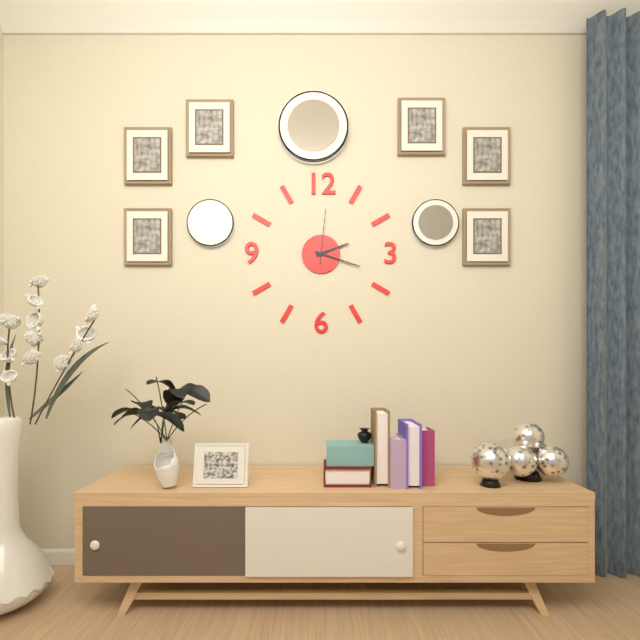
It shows 2,18,01
